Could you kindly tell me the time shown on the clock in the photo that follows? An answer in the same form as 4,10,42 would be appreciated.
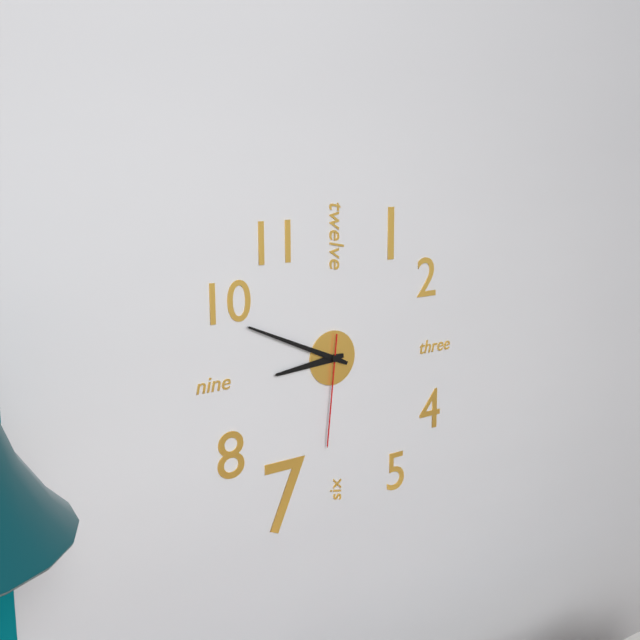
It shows 8,49,31
